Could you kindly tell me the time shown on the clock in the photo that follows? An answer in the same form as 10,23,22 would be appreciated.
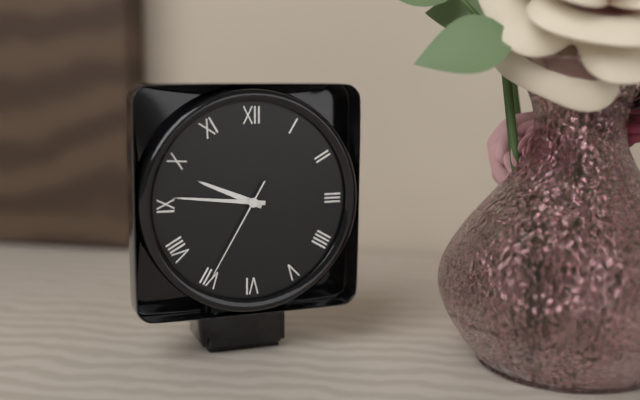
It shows 9,46,35
